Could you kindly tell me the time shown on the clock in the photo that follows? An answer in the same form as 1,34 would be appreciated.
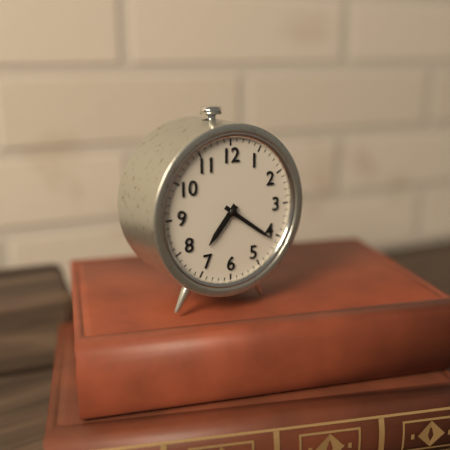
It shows 7,21
